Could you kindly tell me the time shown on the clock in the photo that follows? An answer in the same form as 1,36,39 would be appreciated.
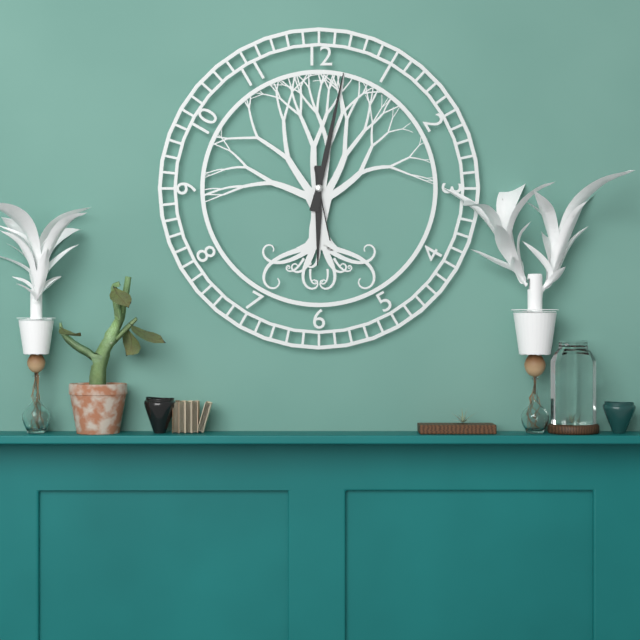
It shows 6,02,28
